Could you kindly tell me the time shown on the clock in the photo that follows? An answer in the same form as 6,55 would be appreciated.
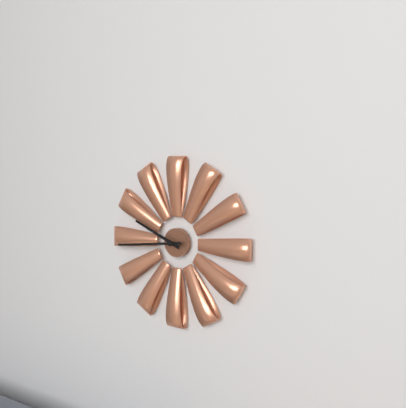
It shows 9,44
